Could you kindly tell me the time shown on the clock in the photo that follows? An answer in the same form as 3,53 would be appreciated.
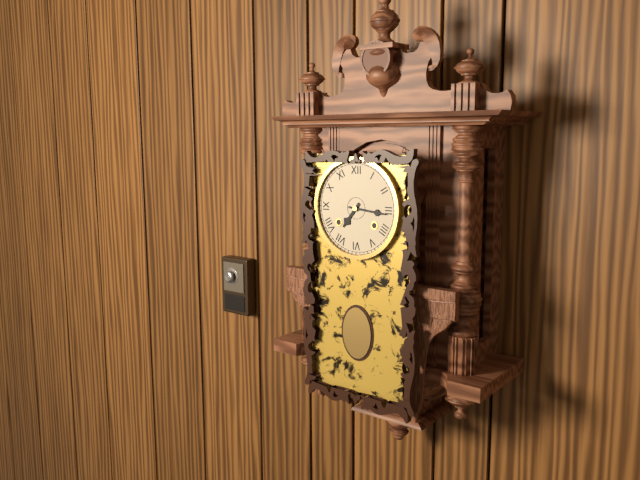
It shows 7,16
